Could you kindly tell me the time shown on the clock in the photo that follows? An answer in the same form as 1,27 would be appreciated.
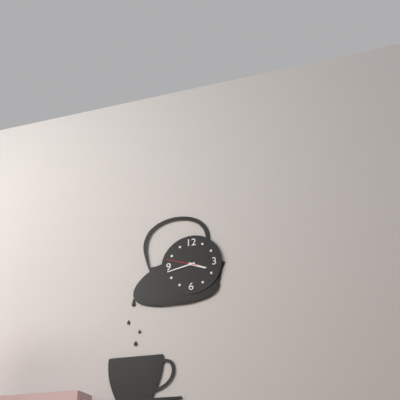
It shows 3,43
